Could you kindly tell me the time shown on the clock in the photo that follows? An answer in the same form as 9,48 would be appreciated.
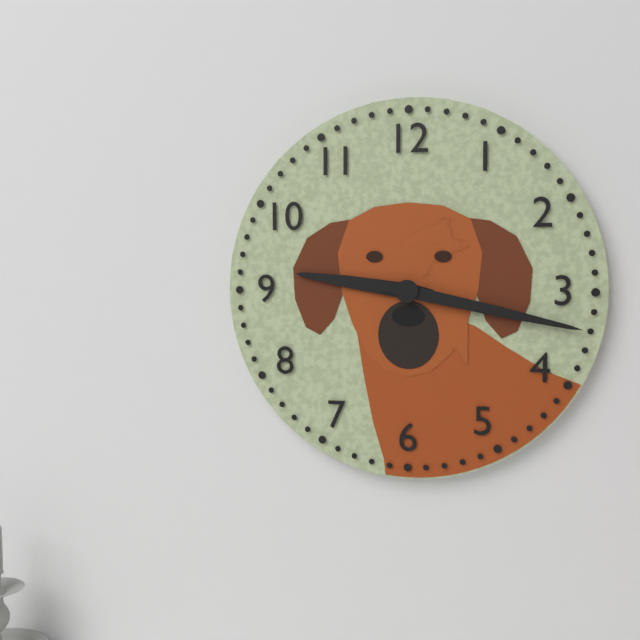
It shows 9,17
